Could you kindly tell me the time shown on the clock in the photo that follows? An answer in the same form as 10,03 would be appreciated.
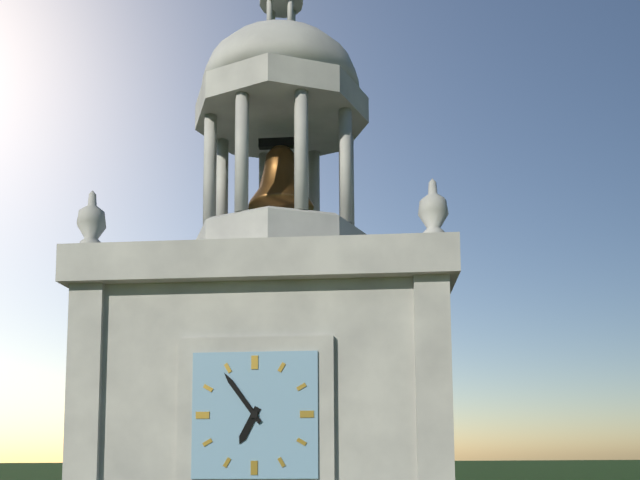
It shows 6,54
